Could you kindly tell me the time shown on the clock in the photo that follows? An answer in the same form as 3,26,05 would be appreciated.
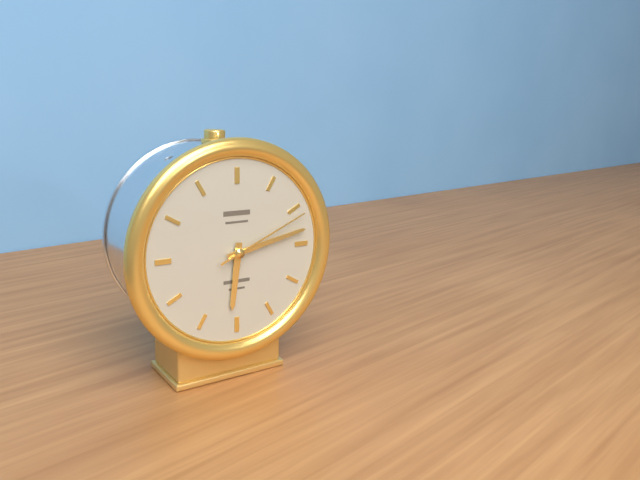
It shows 6,13,11
